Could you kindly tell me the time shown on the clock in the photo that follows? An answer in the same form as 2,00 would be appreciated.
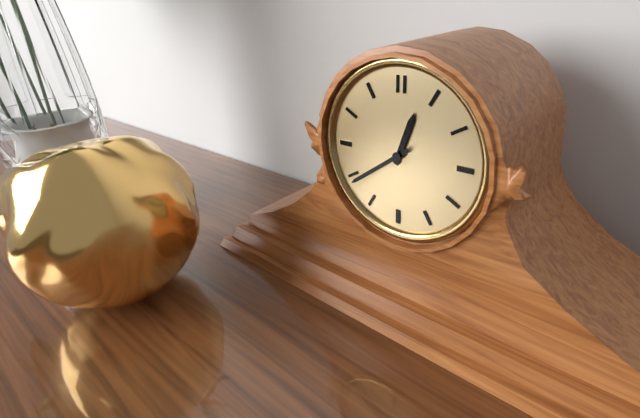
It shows 12,39
